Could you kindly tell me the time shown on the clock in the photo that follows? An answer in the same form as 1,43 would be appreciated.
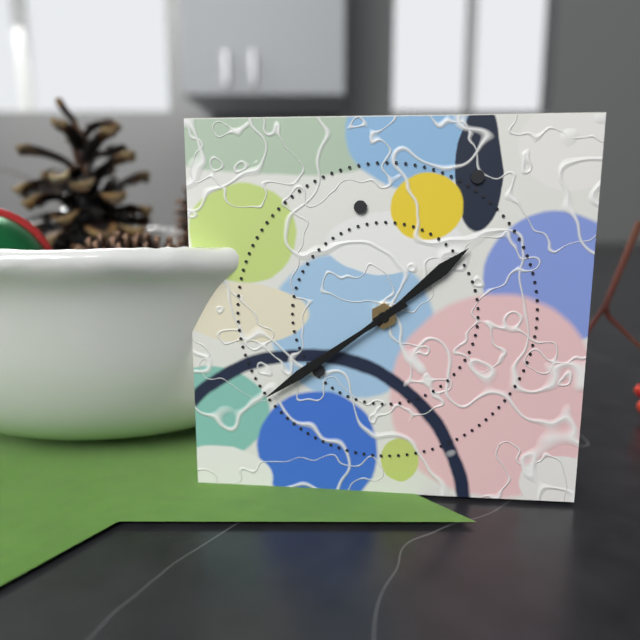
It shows 1,39
